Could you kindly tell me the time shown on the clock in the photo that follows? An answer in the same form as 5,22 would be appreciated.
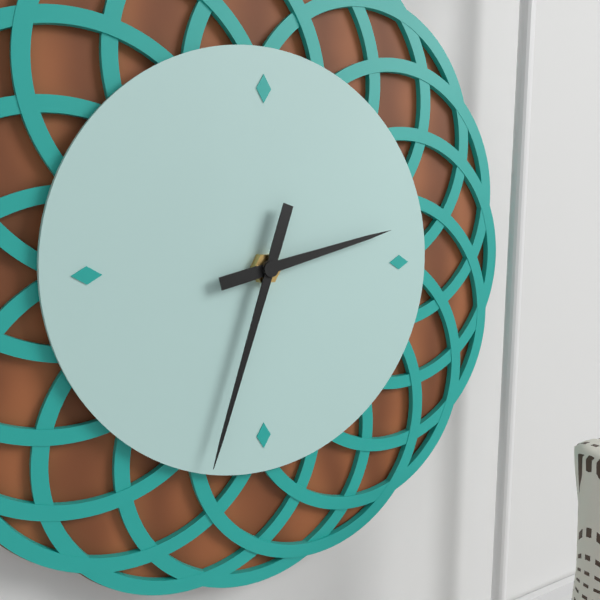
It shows 2,33
